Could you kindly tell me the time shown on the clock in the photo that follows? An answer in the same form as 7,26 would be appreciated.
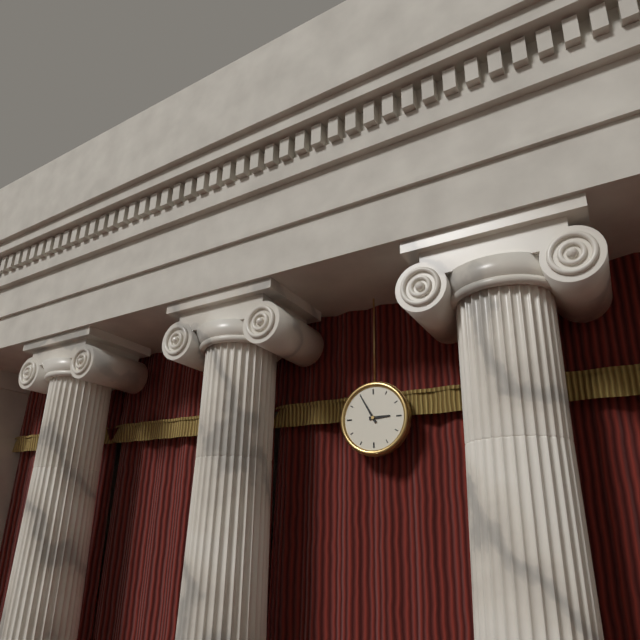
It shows 2,55
